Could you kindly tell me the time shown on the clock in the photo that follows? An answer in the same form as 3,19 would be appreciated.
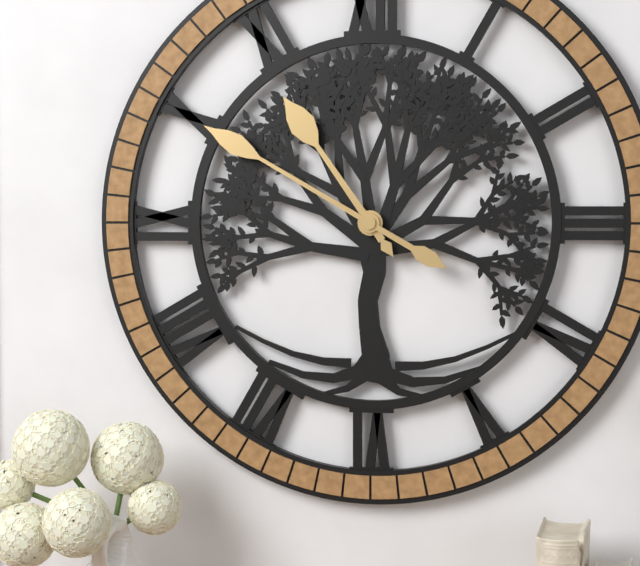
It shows 10,50
